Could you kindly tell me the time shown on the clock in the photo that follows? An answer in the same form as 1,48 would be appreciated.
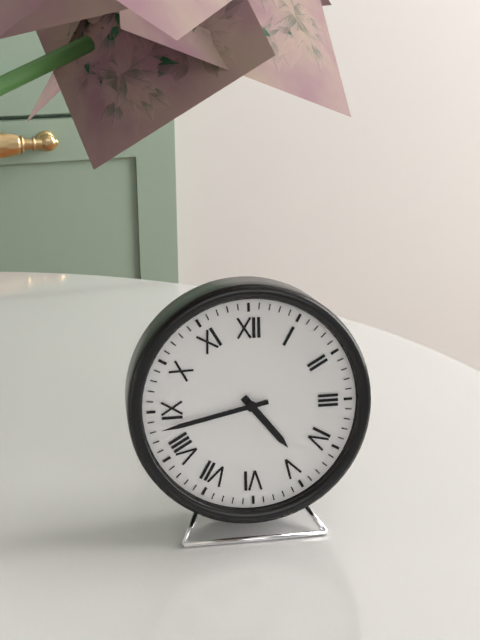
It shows 4,43
